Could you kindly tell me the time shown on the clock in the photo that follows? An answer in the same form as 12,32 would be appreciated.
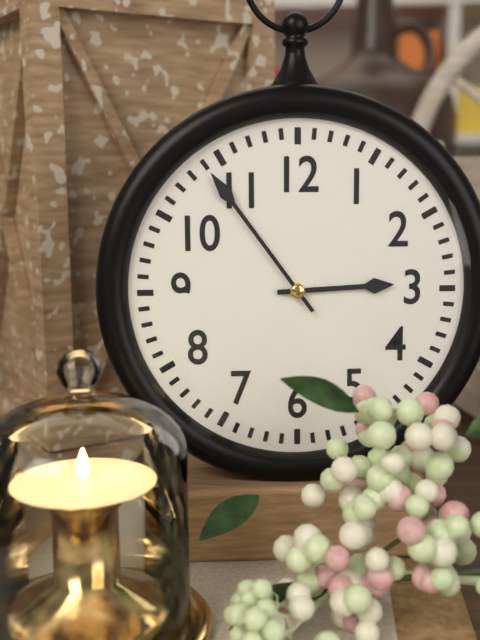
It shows 2,54
